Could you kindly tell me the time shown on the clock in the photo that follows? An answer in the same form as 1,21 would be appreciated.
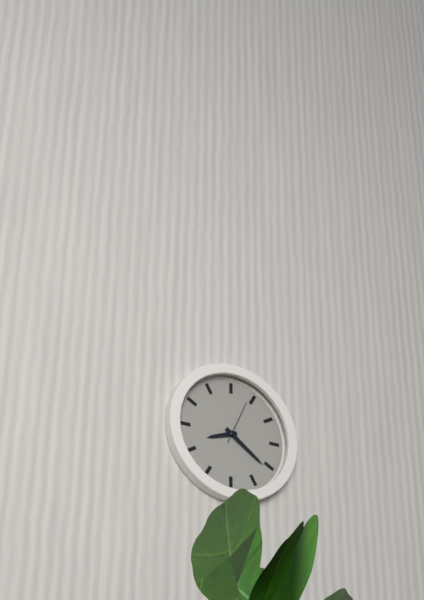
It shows 8,21
